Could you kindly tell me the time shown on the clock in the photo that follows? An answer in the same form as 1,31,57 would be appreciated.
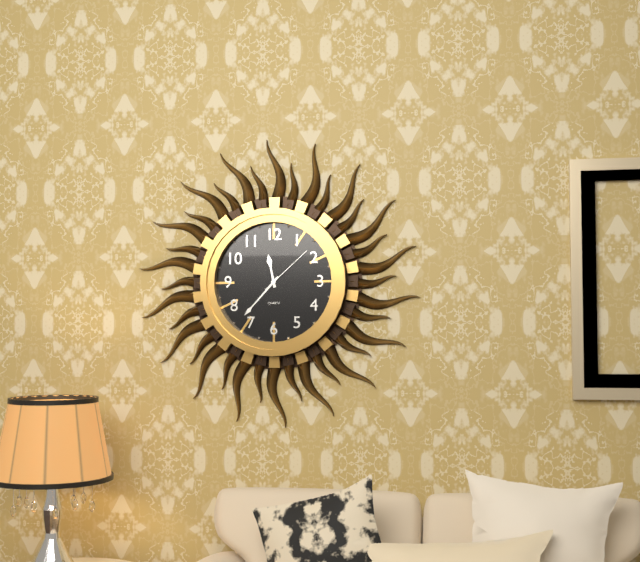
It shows 11,37,08
